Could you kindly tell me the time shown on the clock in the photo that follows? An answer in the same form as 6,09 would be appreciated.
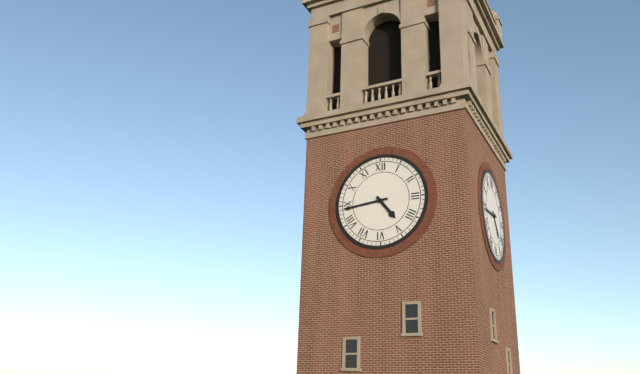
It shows 4,44
